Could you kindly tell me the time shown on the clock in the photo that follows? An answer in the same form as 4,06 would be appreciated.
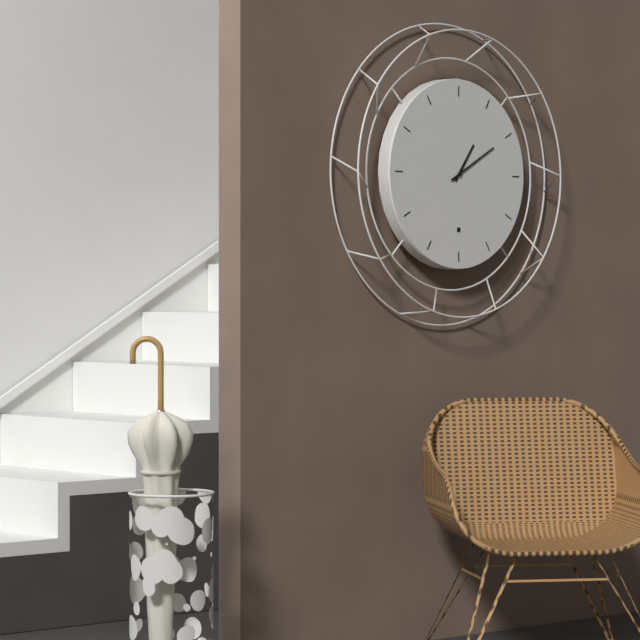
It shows 1,10
